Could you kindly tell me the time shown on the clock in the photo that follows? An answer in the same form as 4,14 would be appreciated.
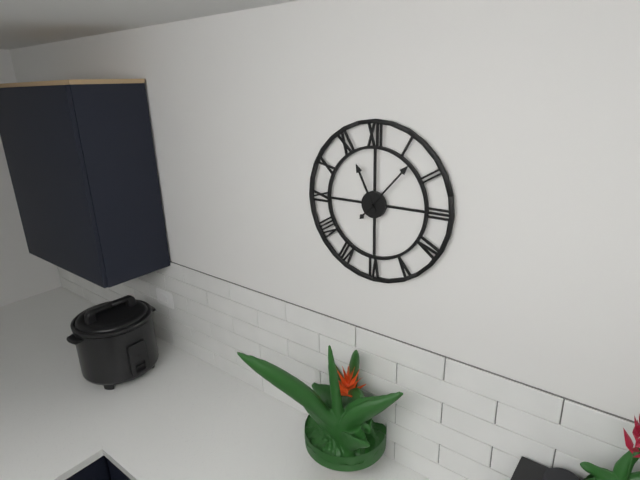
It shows 11,07
